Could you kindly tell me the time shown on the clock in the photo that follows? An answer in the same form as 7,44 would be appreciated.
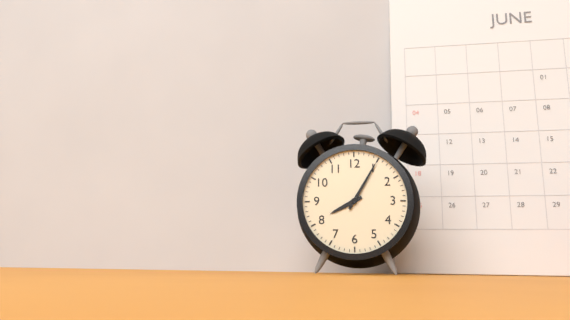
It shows 8,05
